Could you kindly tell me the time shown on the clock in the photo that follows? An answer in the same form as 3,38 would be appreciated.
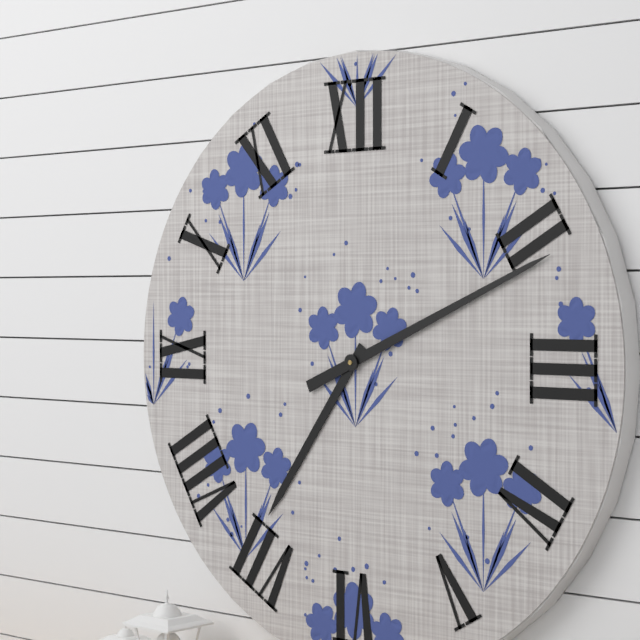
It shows 7,11
